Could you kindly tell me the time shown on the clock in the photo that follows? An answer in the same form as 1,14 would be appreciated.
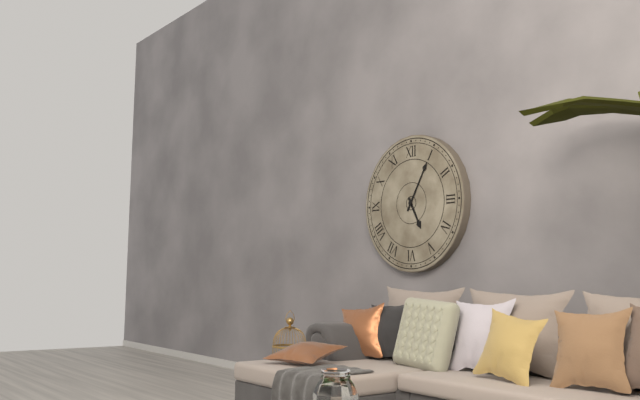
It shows 5,05
